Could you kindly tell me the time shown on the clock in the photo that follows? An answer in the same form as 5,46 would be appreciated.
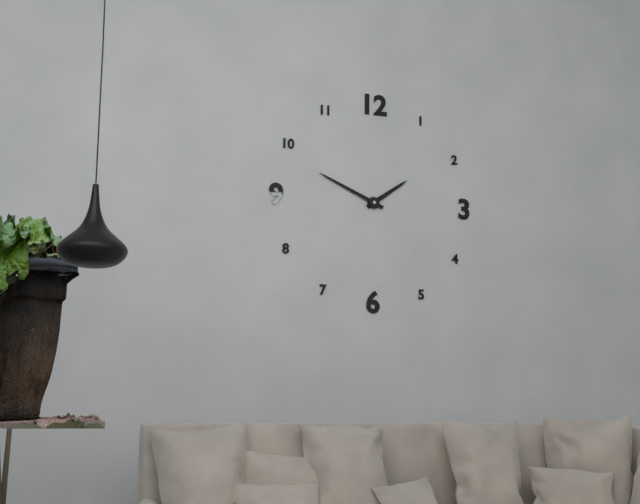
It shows 1,49
